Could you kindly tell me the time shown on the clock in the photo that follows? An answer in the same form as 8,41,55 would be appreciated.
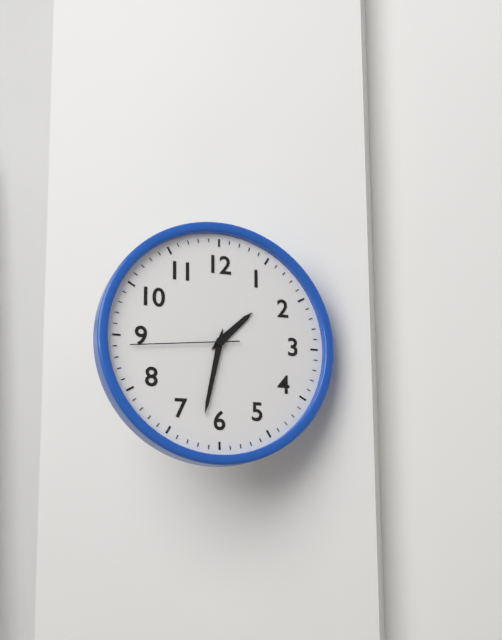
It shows 1,32,44
